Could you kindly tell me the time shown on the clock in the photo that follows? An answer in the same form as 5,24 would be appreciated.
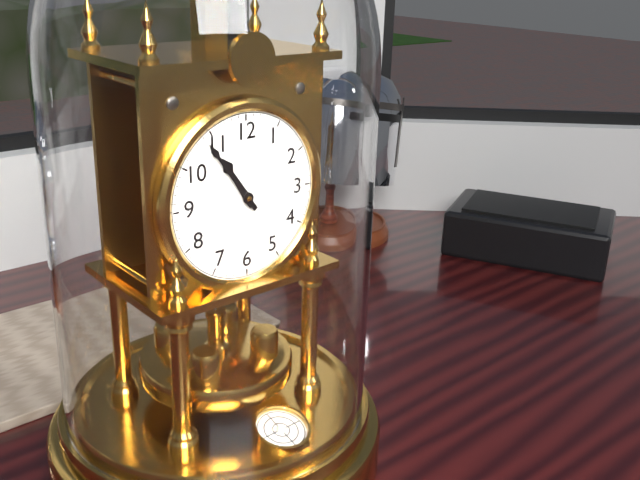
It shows 10,54
